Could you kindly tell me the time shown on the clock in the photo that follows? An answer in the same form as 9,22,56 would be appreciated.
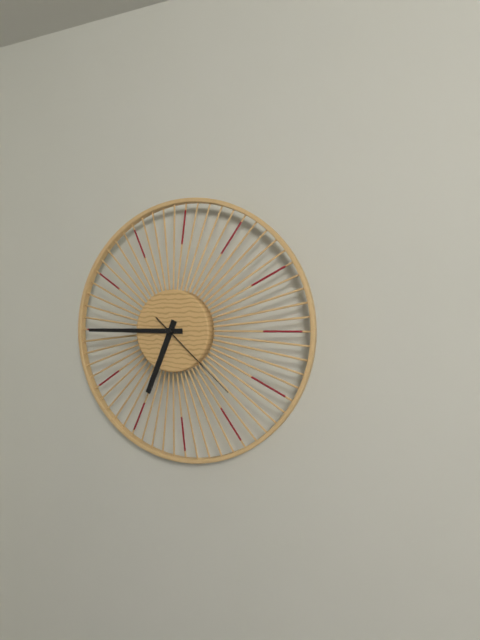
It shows 6,45,22
